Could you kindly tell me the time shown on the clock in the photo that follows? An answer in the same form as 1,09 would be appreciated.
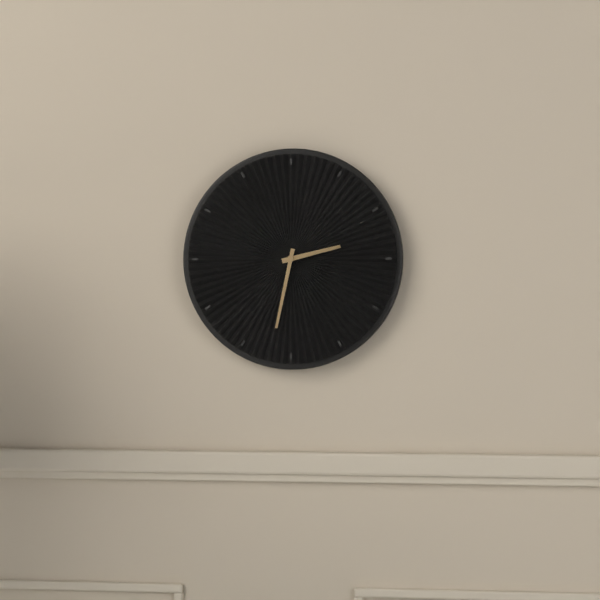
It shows 2,32
